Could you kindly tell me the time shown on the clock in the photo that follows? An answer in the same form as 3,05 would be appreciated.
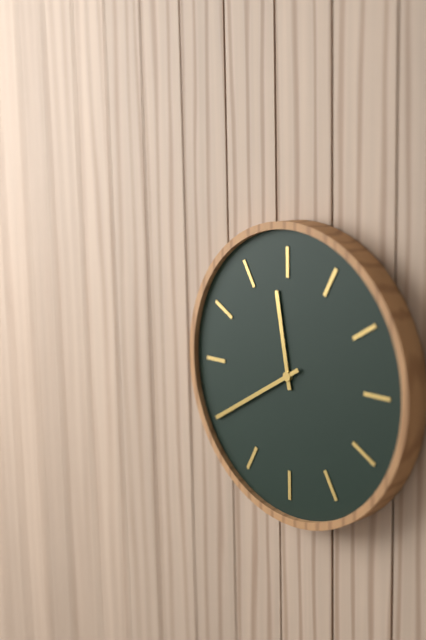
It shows 11,40
